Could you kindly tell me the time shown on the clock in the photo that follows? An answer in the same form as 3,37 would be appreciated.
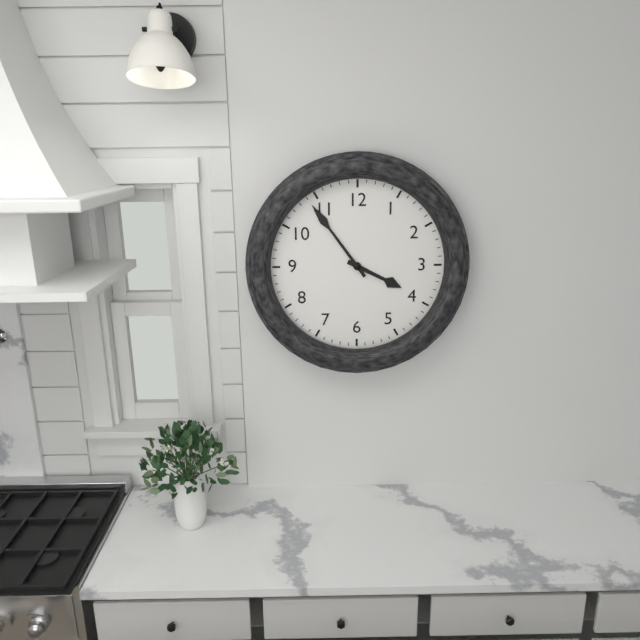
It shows 3,54
